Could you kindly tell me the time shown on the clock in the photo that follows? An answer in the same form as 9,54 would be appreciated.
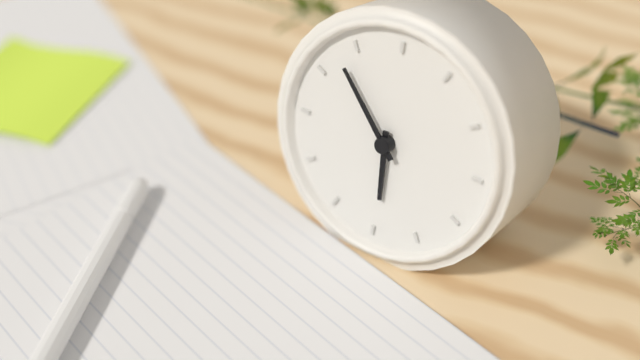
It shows 5,53
